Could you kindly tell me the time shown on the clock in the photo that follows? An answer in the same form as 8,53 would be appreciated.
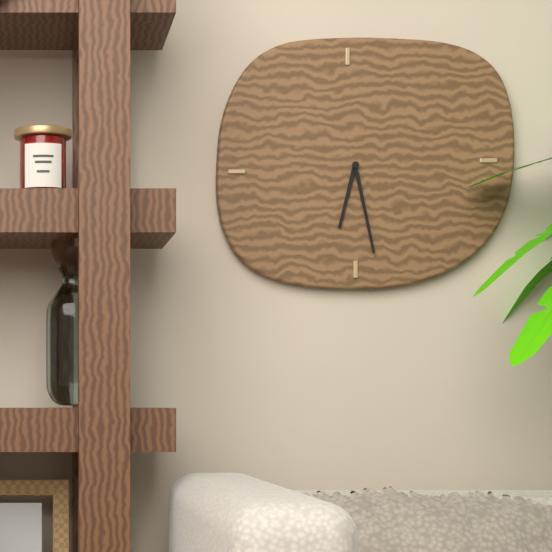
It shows 6,28
